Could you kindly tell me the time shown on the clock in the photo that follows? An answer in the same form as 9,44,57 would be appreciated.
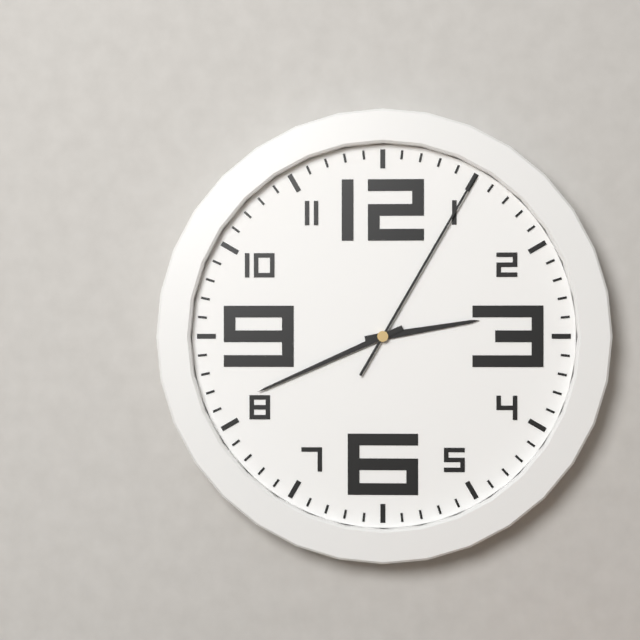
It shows 2,41,05
